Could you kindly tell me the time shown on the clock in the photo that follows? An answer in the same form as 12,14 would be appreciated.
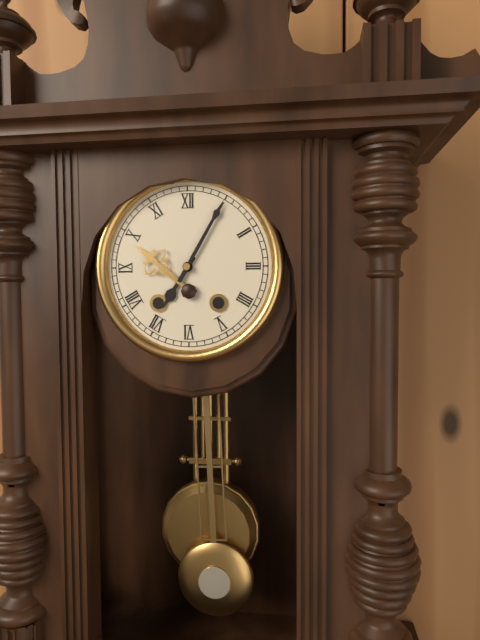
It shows 7,05
